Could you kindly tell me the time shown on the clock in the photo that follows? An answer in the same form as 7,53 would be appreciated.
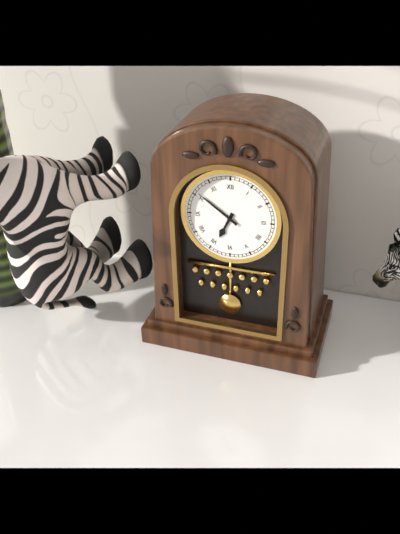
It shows 6,51
